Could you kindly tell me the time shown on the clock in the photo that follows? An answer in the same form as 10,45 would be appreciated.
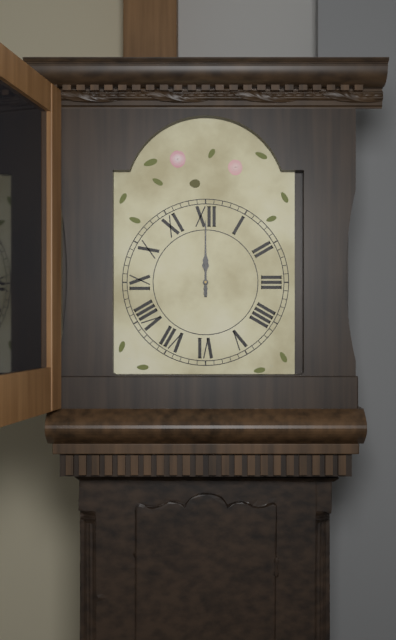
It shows 12,00
